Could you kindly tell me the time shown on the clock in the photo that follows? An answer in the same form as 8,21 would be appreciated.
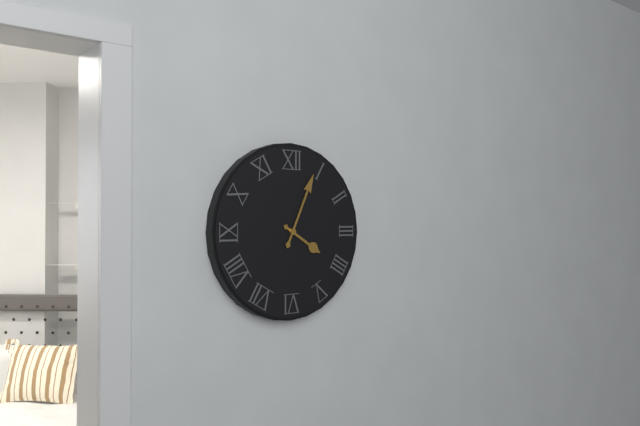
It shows 4,04
